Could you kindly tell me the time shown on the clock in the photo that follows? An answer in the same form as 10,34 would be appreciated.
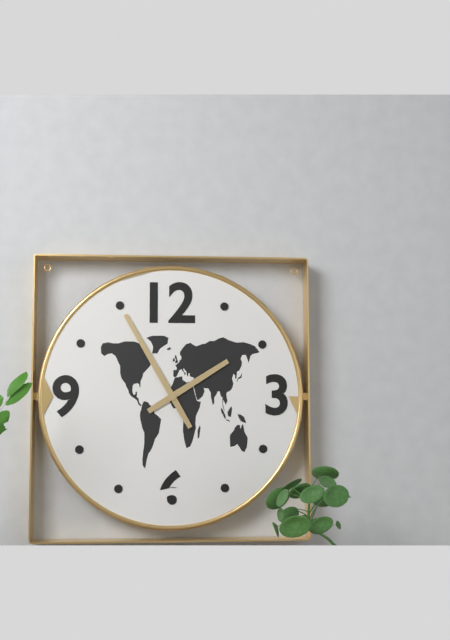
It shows 1,55
